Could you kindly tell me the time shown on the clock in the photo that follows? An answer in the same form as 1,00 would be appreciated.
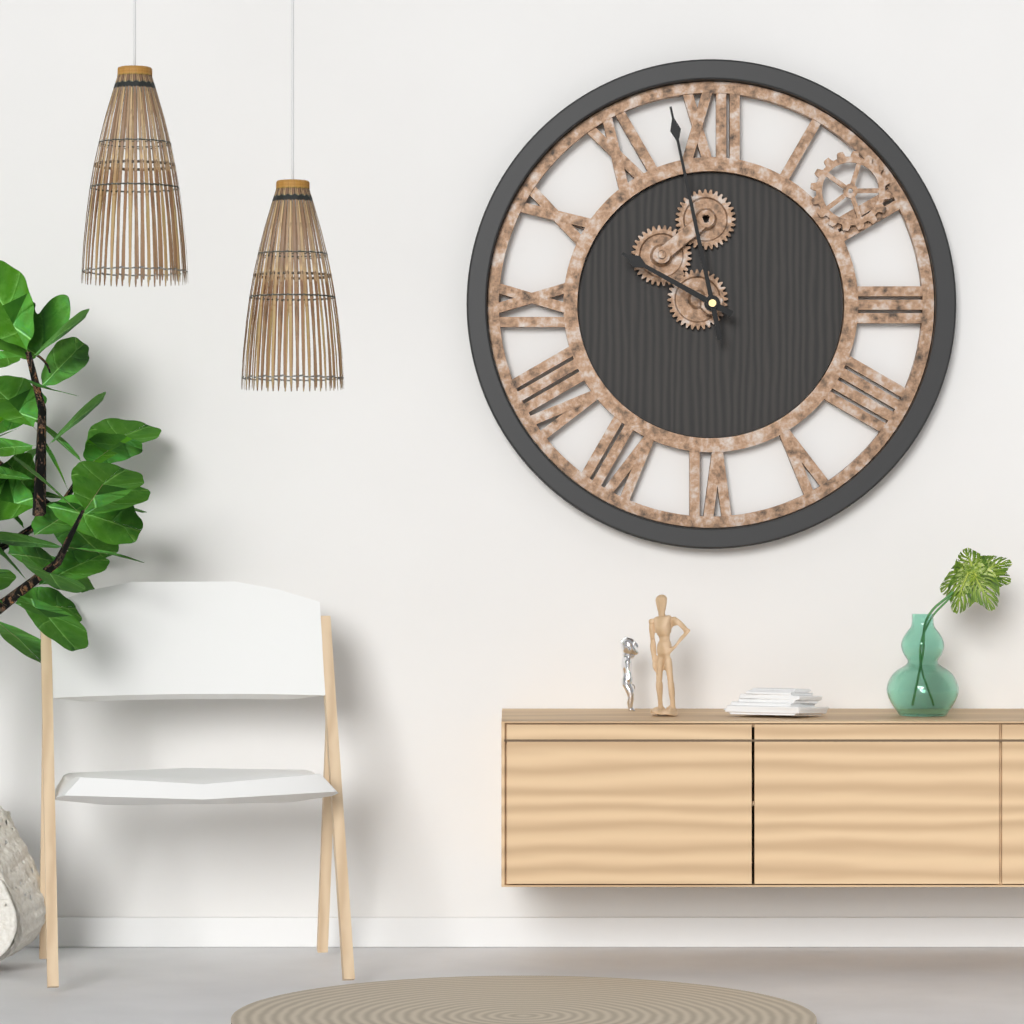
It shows 9,58
